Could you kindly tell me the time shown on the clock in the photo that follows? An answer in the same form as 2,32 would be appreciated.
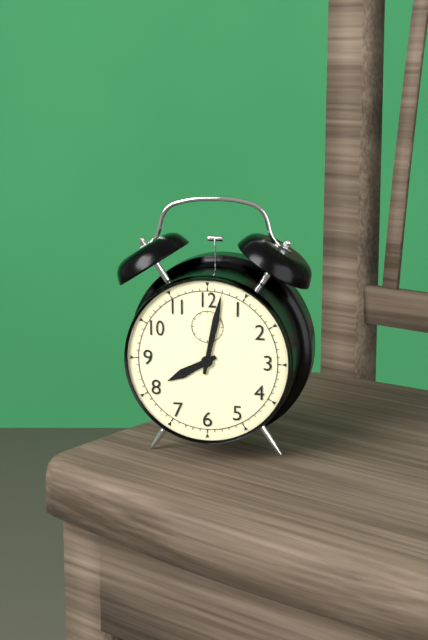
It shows 8,02
